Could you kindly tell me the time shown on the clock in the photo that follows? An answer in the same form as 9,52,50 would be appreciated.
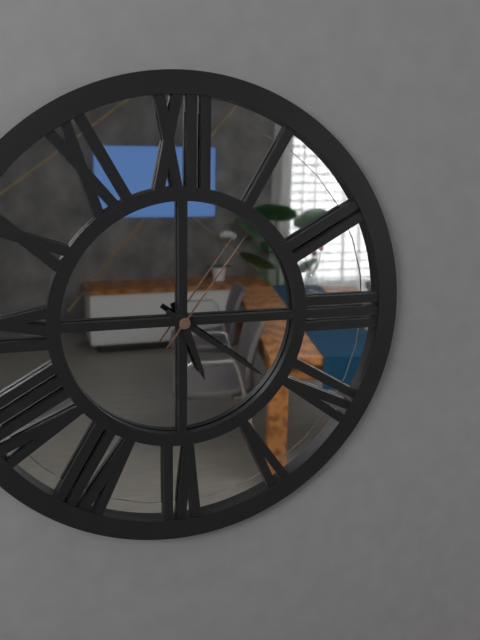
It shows 5,21,06
